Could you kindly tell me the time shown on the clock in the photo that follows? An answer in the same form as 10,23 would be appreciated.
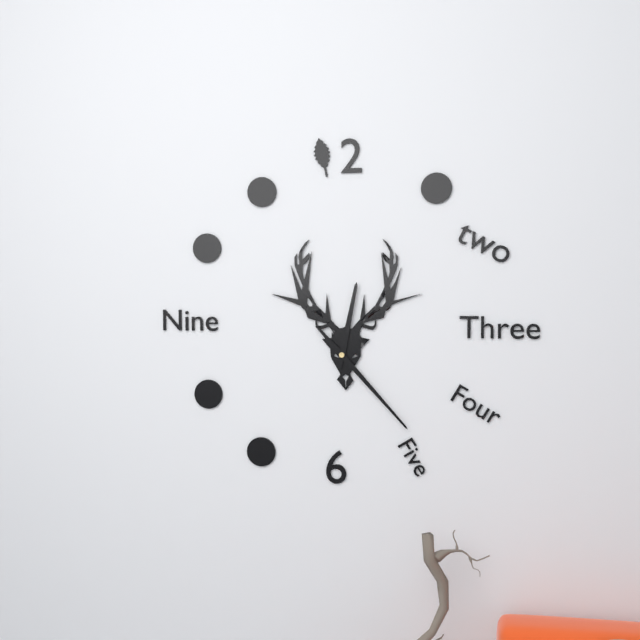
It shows 12,23
